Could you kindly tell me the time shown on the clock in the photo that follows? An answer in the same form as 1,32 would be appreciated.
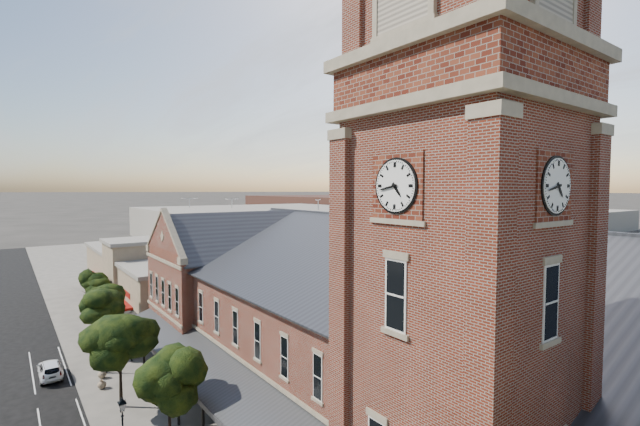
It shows 4,43
